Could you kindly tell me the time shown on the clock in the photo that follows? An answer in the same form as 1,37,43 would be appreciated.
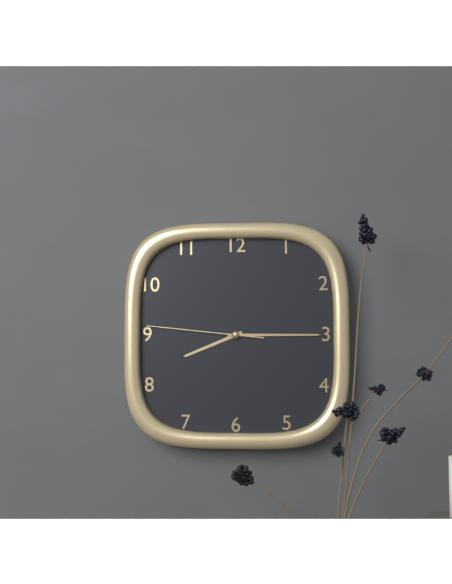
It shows 8,15,46
